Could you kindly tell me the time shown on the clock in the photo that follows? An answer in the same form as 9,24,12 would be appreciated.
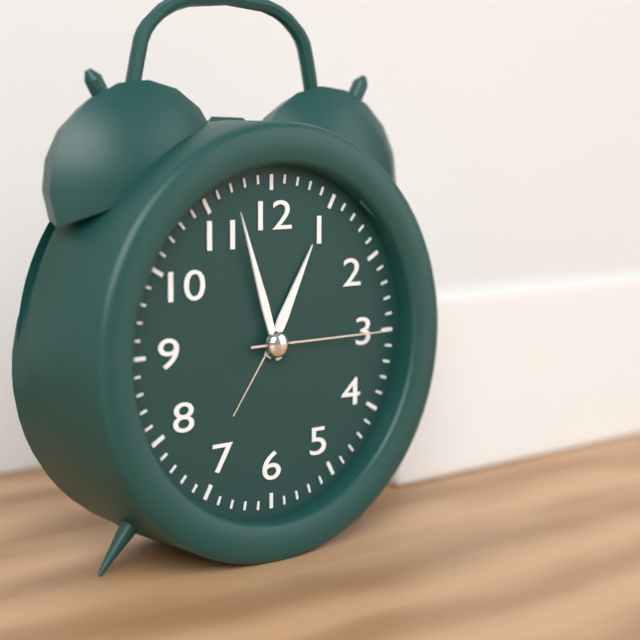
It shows 12,57,15
